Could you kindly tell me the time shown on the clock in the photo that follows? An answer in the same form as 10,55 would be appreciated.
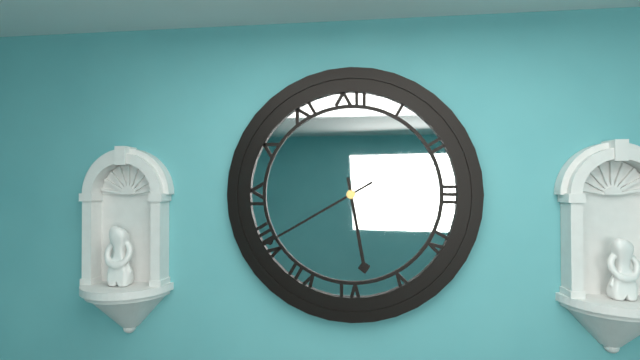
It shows 5,40
